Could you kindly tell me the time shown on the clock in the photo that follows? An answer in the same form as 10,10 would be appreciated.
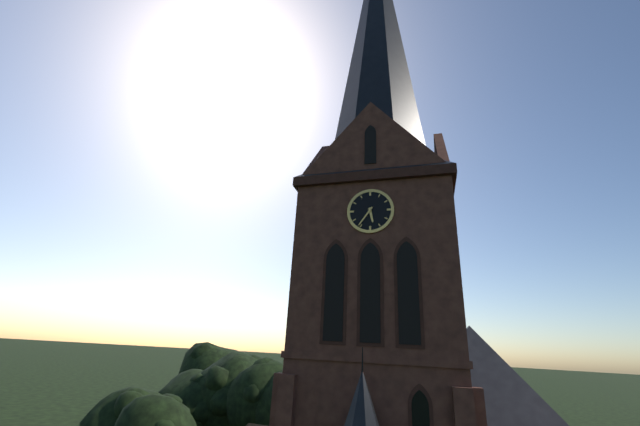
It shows 5,36
